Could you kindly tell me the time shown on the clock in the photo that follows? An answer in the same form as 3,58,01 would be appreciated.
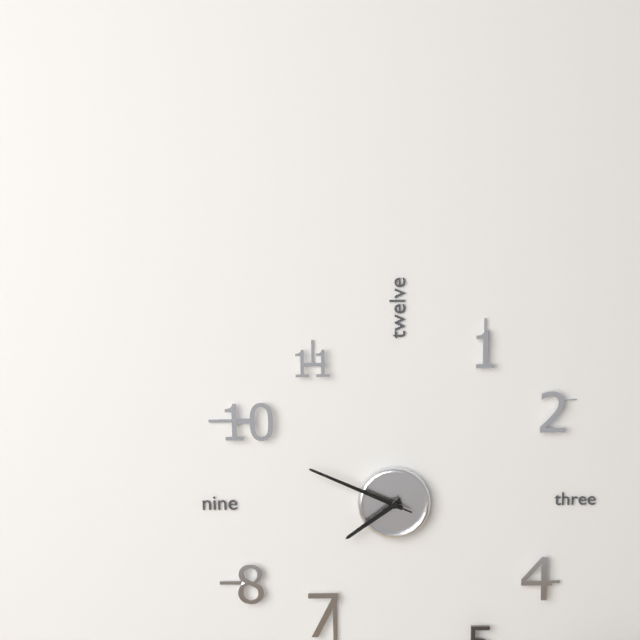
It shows 7,49,49
